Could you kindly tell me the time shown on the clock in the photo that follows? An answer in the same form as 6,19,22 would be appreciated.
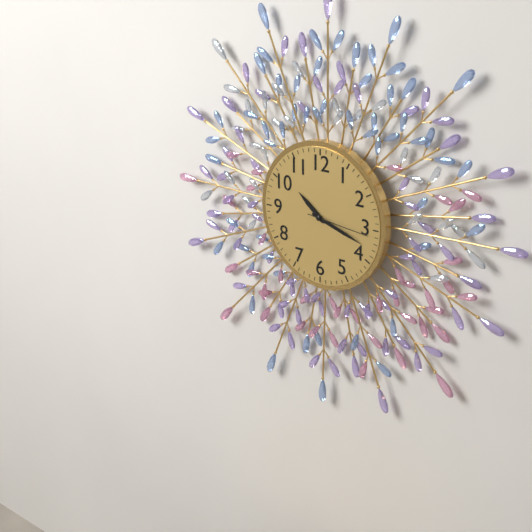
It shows 10,18,16
